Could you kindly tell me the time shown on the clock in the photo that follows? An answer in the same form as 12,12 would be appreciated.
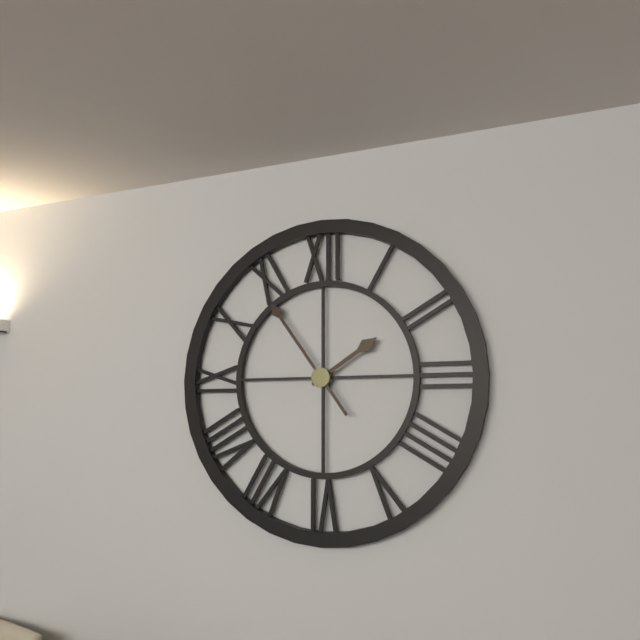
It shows 1,54
